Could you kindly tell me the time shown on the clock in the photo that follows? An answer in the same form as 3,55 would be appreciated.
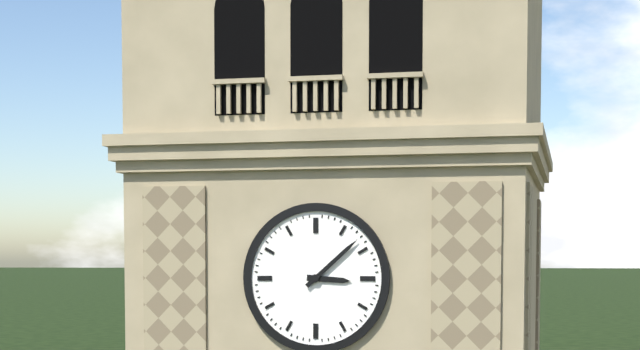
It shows 3,08
